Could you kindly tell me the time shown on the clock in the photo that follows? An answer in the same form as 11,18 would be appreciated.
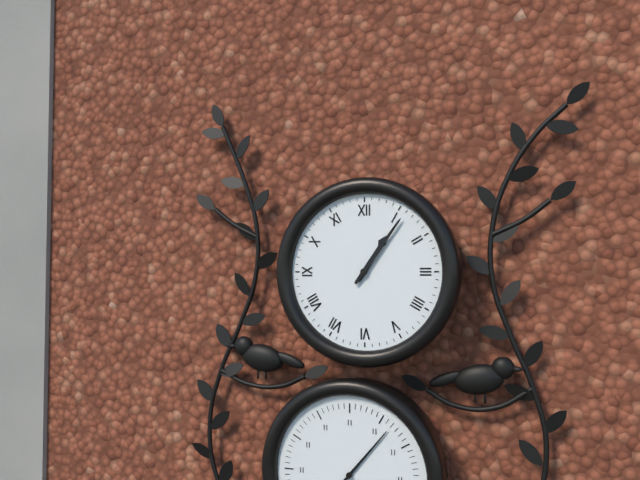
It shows 1,06
